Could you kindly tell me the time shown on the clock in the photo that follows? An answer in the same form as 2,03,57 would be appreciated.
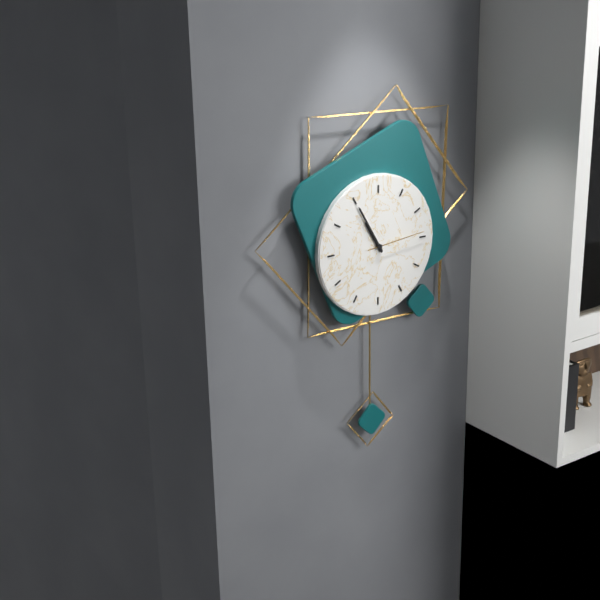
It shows 10,55,14
